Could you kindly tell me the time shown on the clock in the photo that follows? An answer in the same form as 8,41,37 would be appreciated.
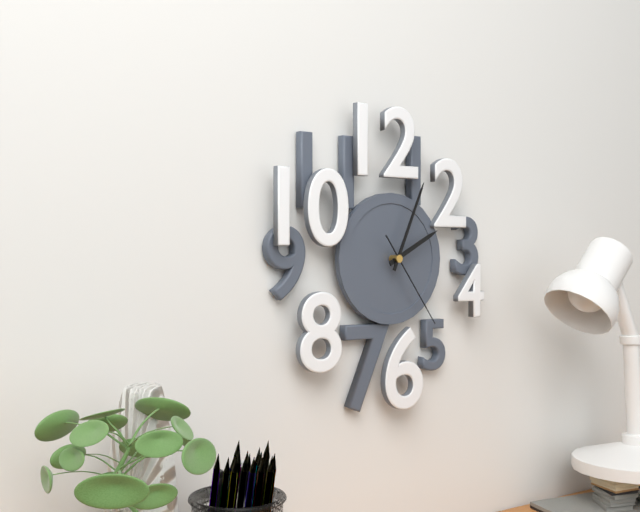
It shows 2,04,24
